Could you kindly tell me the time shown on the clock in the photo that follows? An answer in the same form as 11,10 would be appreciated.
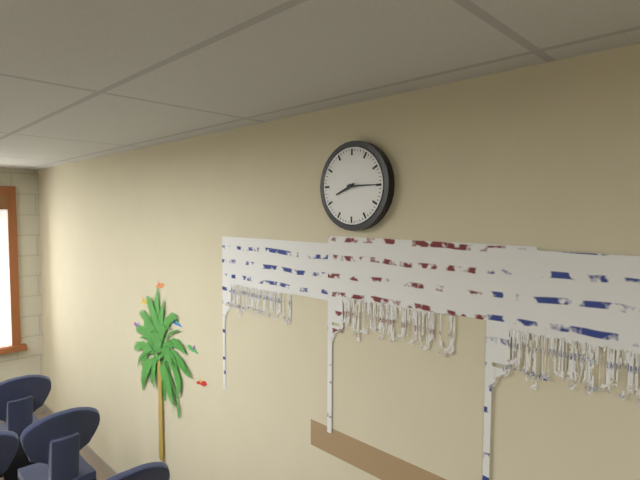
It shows 8,15
